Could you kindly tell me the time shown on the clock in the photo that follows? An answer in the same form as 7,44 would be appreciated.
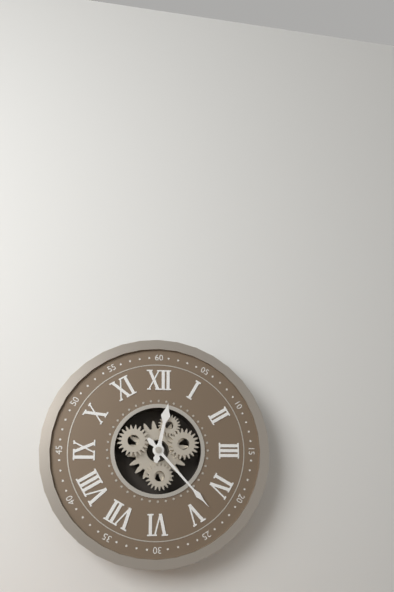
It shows 12,23
